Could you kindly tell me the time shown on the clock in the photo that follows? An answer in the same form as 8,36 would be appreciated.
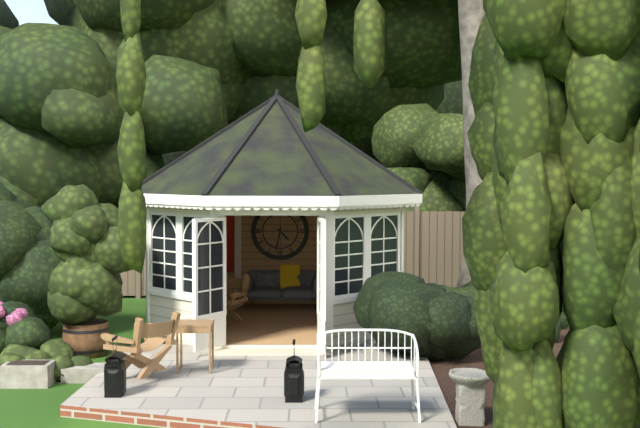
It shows 4,32
